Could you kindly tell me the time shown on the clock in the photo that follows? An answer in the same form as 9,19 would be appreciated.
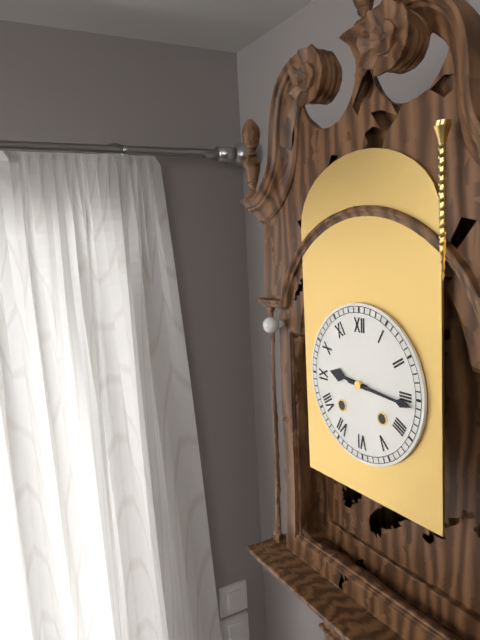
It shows 9,16
